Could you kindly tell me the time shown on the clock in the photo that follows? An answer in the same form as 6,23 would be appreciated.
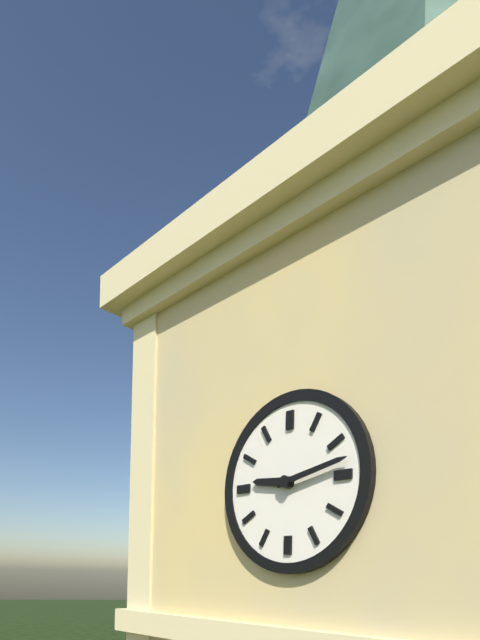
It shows 9,13
